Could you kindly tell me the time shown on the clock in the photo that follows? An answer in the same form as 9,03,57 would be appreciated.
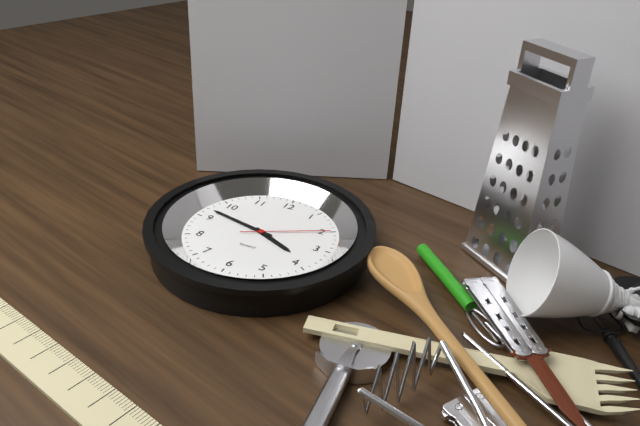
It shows 3,47,10
